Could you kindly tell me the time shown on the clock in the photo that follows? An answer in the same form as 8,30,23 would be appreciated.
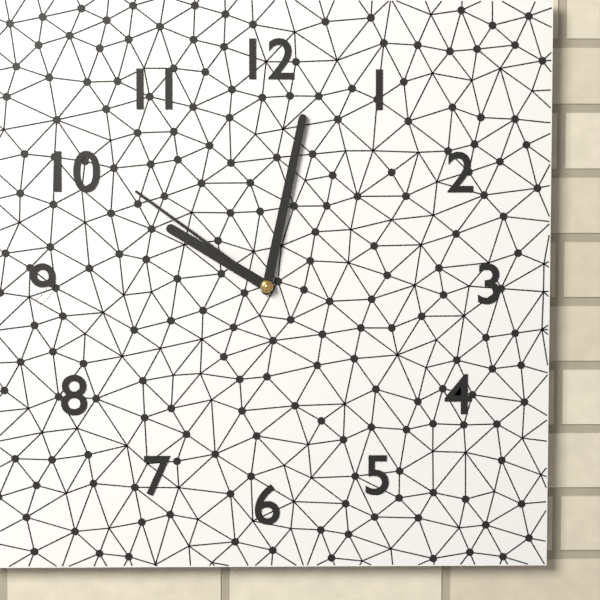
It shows 10,02,51
